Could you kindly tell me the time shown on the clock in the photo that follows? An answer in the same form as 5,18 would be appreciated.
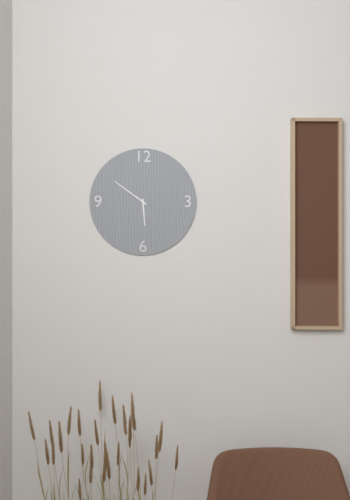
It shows 5,51
